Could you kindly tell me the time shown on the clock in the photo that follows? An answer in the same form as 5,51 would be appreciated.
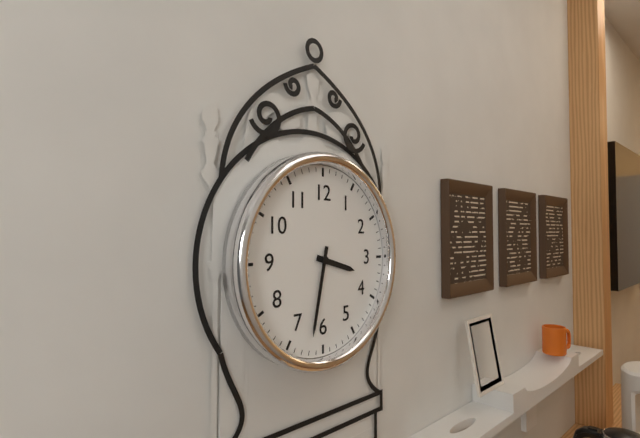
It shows 3,32
